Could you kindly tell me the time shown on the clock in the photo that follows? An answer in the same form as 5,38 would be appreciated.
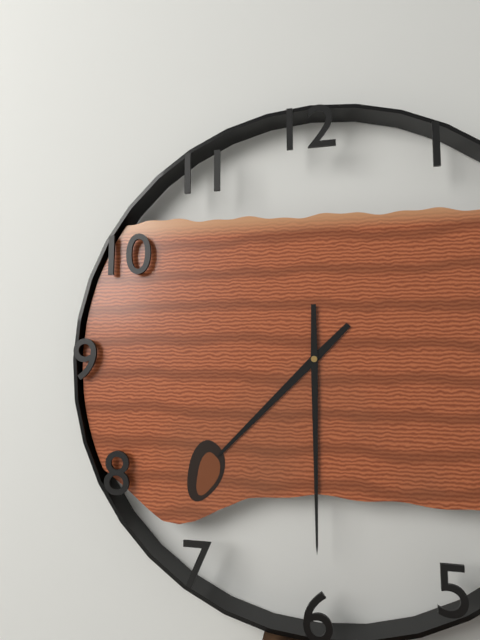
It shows 7,30
